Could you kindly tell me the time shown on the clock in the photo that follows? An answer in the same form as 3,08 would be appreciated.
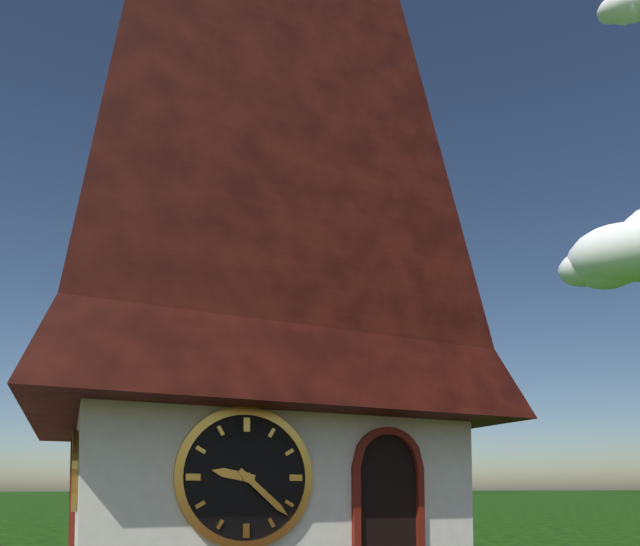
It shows 9,22
